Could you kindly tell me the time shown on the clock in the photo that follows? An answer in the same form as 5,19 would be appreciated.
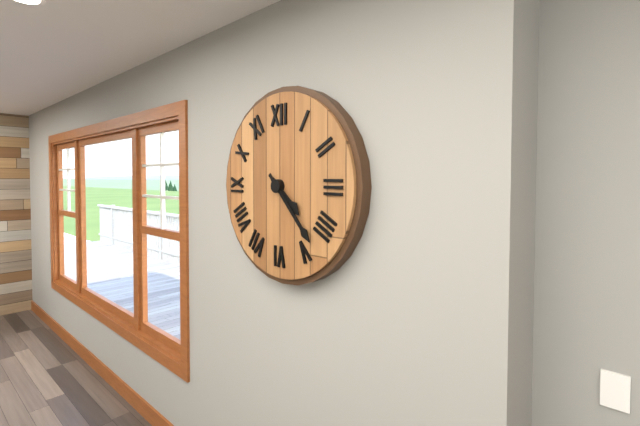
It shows 4,23
